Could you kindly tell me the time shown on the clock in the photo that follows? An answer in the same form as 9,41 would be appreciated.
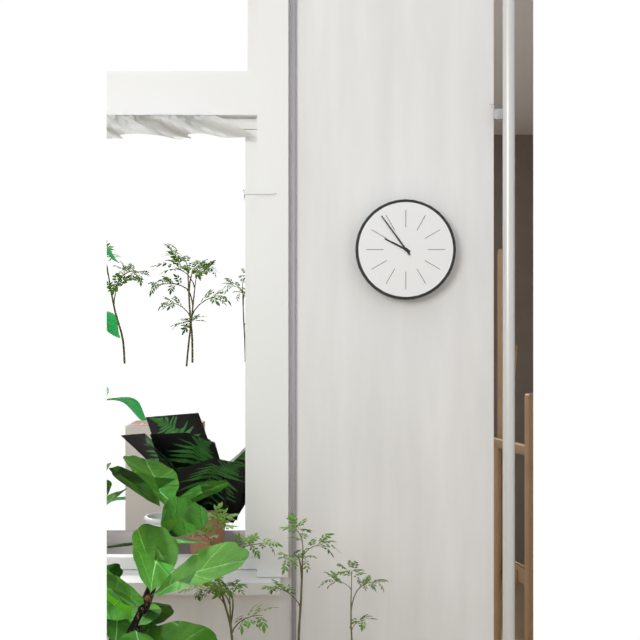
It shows 9,54
